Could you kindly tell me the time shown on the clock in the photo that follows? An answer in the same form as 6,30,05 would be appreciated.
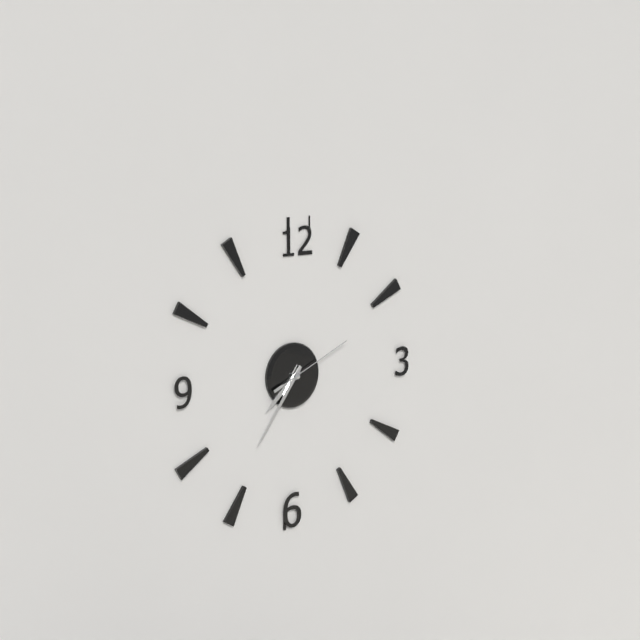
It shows 7,36,11
